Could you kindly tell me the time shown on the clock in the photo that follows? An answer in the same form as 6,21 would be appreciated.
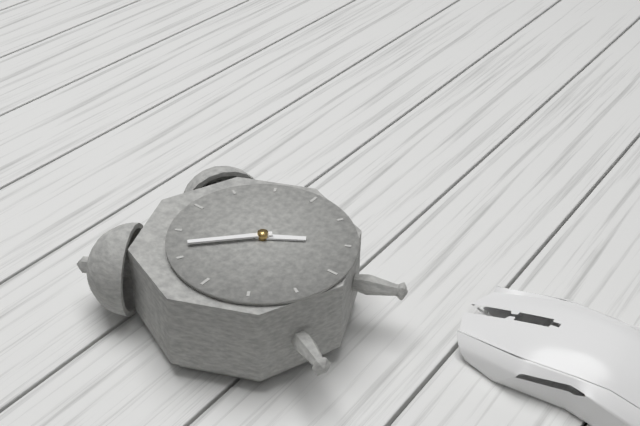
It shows 4,52
